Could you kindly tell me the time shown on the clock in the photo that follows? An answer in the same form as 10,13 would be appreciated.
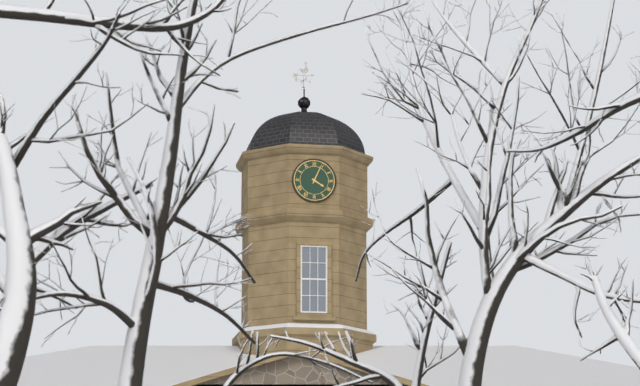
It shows 4,04
